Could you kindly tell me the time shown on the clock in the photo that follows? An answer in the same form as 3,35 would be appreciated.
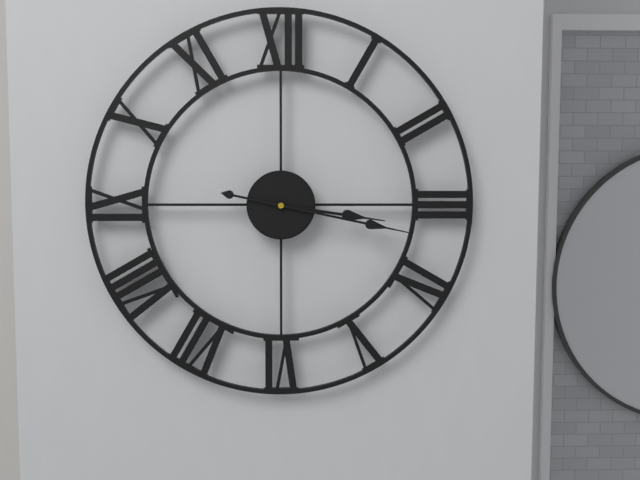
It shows 3,17
